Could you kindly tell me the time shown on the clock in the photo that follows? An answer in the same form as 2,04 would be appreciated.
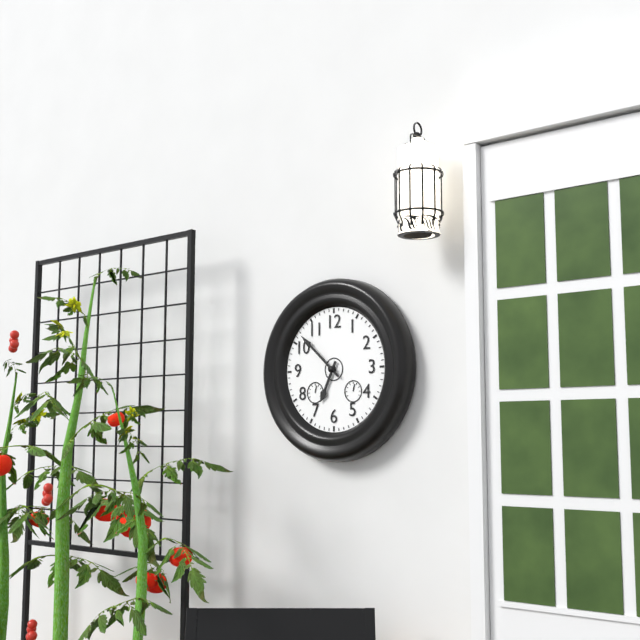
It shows 6,52
